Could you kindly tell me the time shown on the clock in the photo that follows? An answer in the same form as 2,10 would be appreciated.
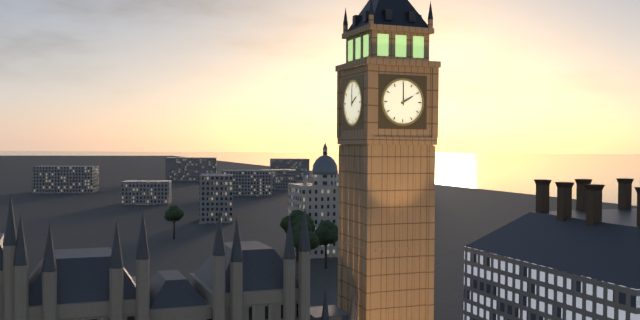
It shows 2,00
